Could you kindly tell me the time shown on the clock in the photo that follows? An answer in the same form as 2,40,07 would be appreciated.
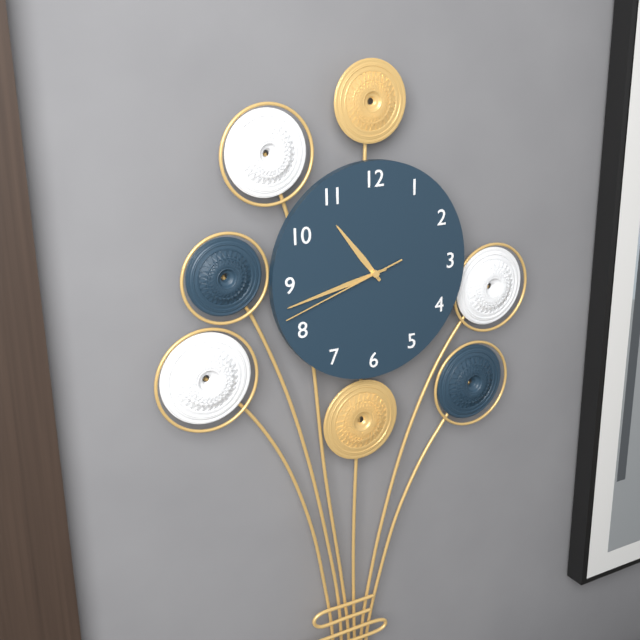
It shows 10,43,42
